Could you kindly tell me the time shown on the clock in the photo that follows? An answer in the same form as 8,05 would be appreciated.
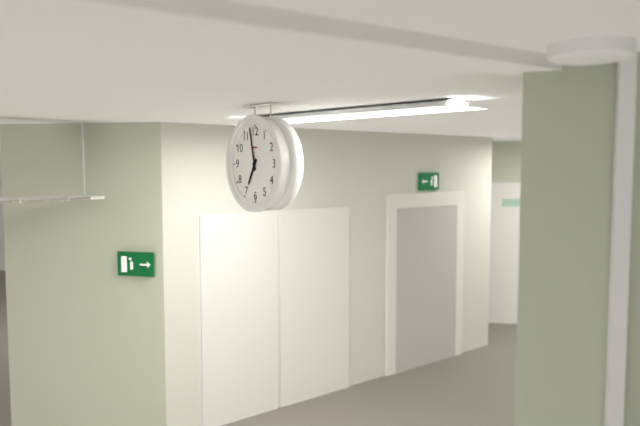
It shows 6,58
